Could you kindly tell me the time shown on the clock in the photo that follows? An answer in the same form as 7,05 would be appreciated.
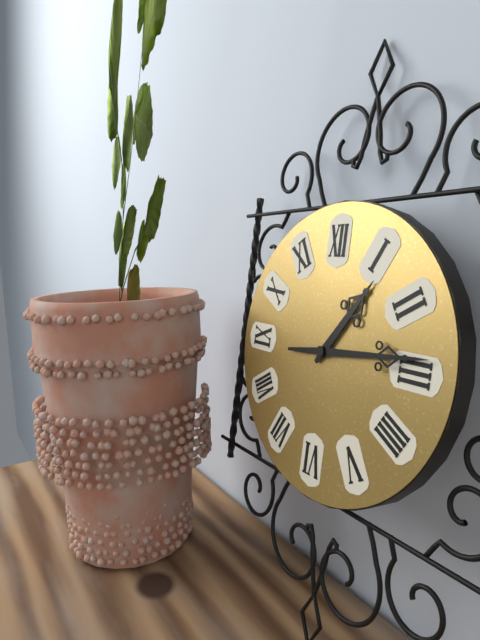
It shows 1,14
